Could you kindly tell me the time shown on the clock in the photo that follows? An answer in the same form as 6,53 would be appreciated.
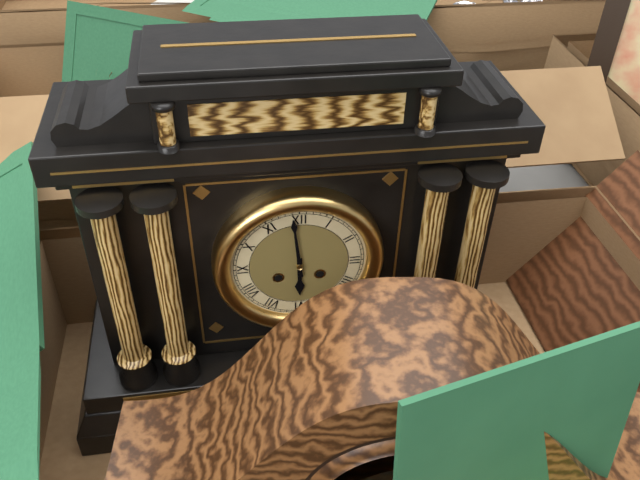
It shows 5,59
